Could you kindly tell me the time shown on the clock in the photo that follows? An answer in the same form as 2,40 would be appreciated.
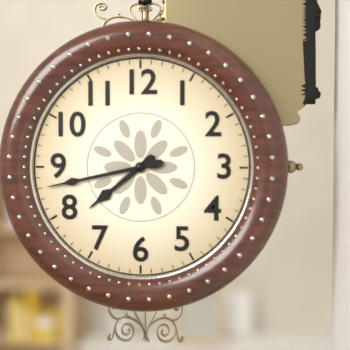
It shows 7,43
